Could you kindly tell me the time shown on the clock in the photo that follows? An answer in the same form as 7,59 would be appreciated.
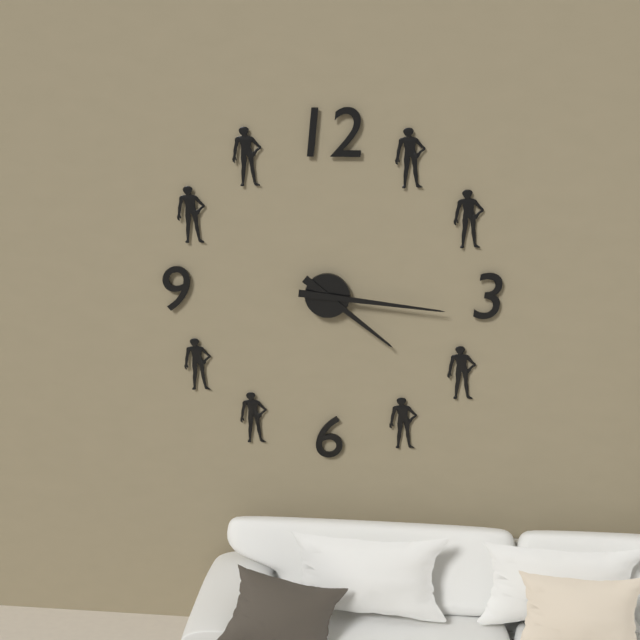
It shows 4,16
